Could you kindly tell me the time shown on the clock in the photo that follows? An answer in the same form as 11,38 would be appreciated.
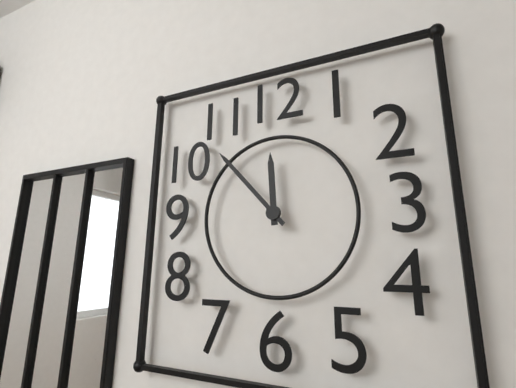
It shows 11,53
